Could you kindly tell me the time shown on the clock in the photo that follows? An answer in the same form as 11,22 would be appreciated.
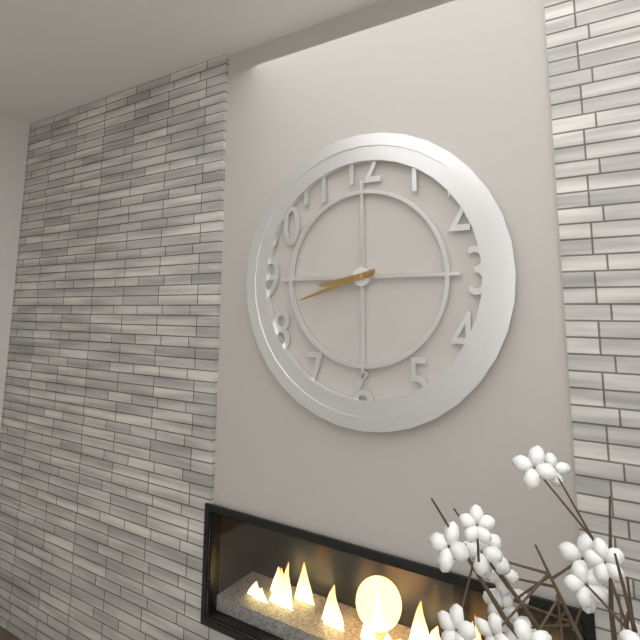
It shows 8,42
